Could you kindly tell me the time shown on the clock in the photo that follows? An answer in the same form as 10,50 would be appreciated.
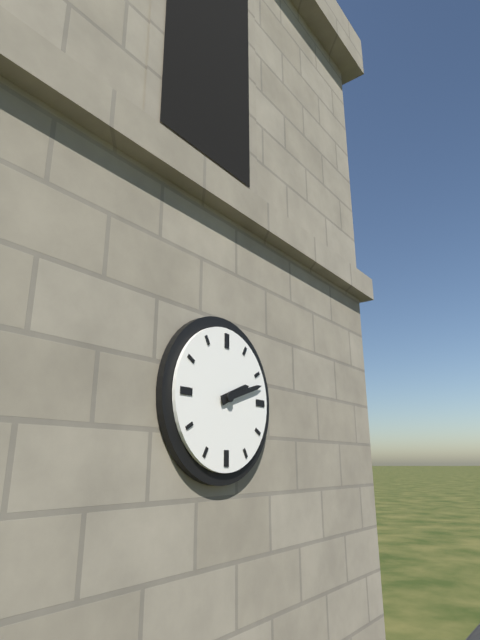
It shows 2,12
